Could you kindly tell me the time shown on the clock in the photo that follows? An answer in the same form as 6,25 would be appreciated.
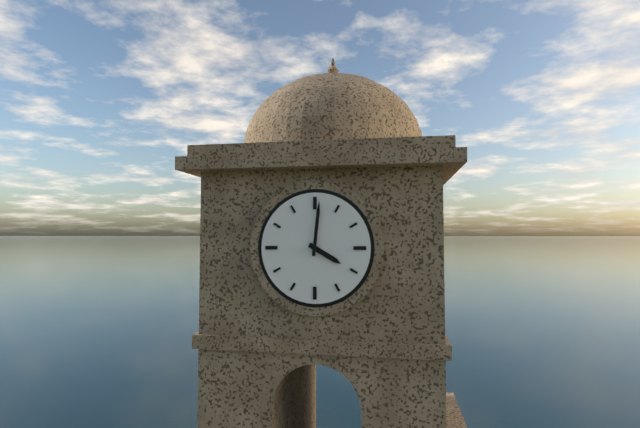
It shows 4,01
